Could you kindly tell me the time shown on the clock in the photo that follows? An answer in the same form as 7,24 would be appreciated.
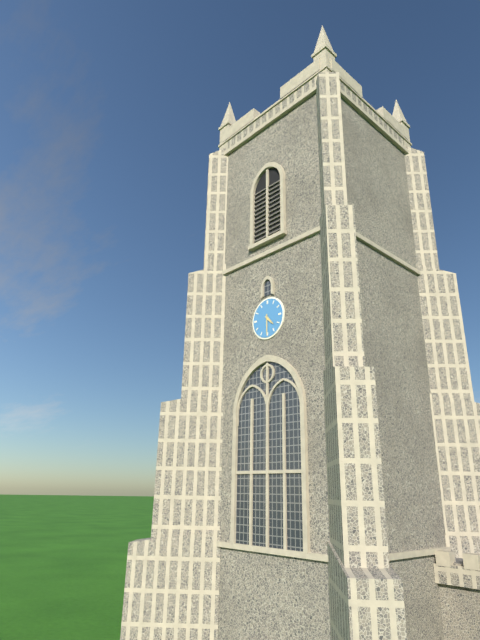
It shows 4,30
